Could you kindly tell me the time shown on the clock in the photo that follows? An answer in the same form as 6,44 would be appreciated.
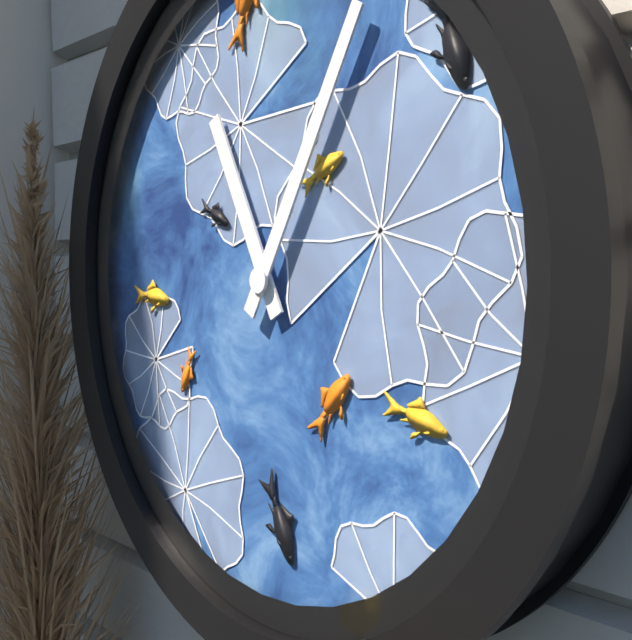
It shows 11,05
